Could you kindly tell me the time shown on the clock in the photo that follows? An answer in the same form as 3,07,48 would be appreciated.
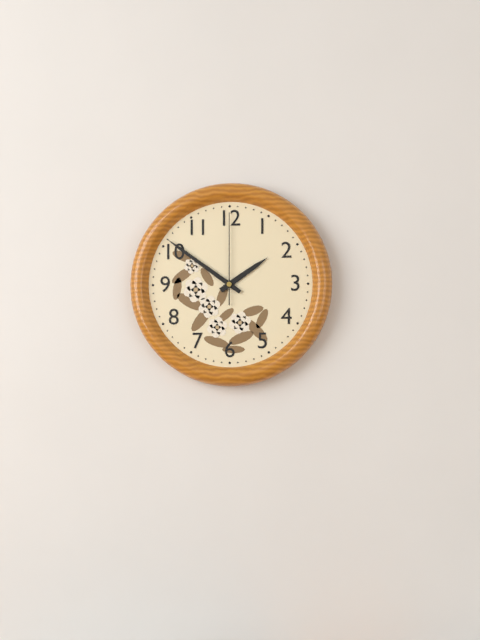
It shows 1,51,00
